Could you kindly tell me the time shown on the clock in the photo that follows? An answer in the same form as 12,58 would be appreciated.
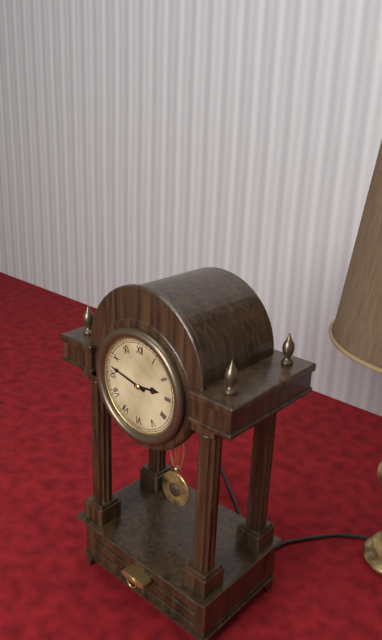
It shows 2,47
